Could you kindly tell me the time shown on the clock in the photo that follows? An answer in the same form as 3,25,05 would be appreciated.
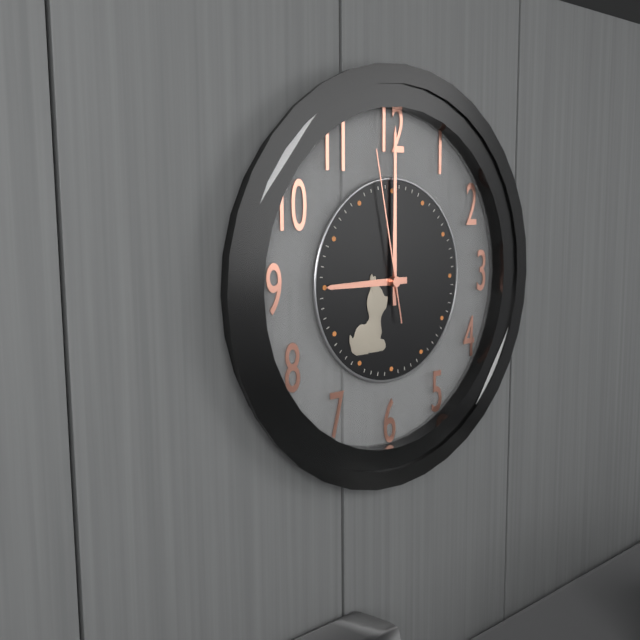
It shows 9,00,58
